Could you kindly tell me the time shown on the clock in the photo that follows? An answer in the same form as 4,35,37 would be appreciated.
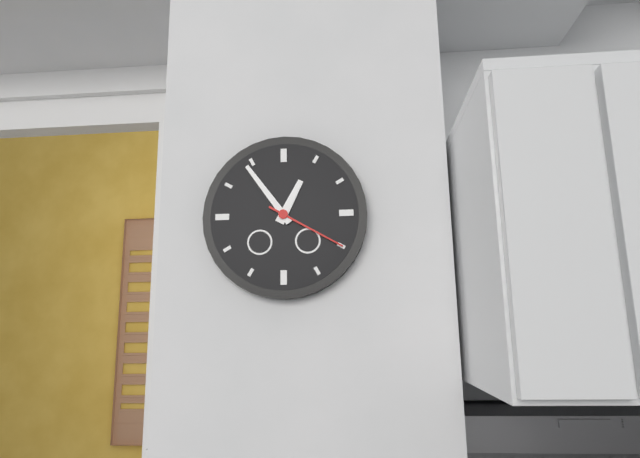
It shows 12,54,20
